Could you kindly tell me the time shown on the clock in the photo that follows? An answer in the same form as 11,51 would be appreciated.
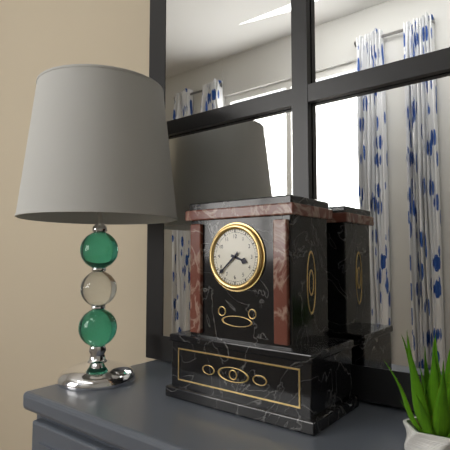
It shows 3,38
